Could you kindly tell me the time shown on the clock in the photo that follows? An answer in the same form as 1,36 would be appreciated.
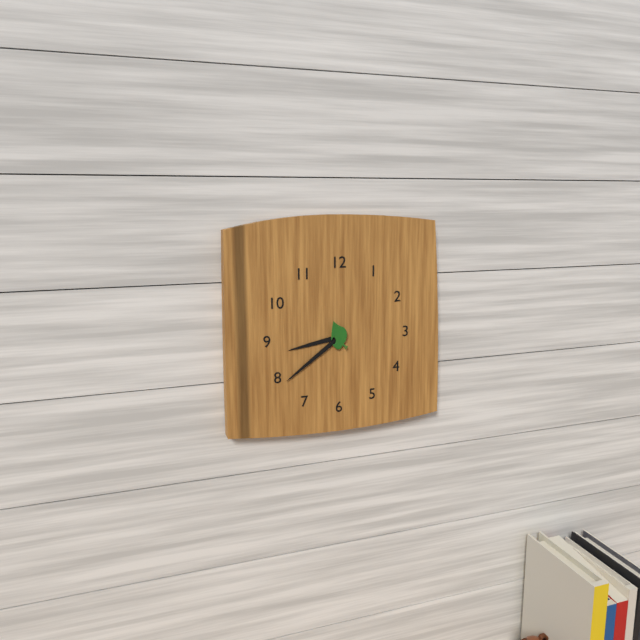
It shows 8,39
